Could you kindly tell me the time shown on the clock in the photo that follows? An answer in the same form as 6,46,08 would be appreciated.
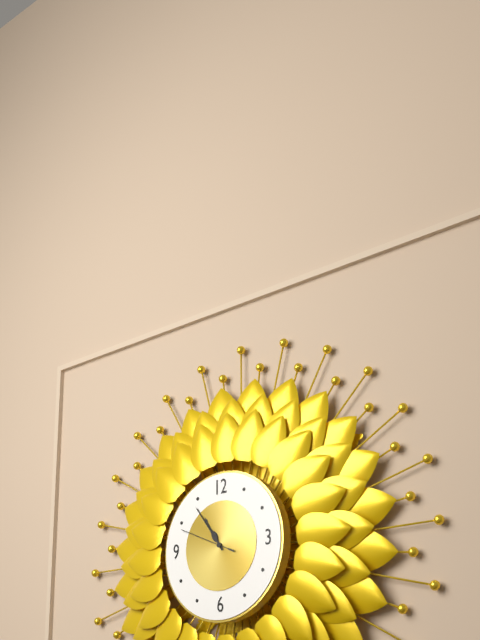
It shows 10,54,49
